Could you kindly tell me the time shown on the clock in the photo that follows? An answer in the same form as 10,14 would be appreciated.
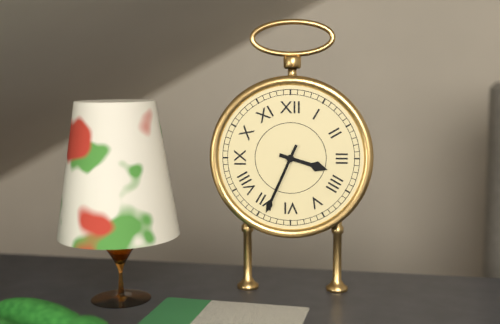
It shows 3,34
